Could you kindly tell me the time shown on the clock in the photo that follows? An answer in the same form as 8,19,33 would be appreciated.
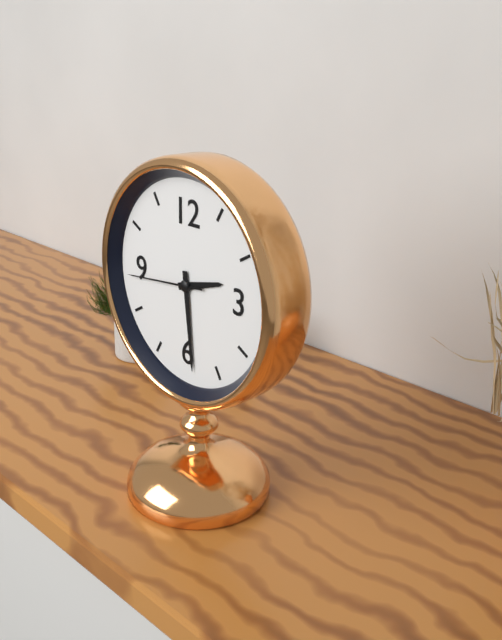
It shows 2,29,44
